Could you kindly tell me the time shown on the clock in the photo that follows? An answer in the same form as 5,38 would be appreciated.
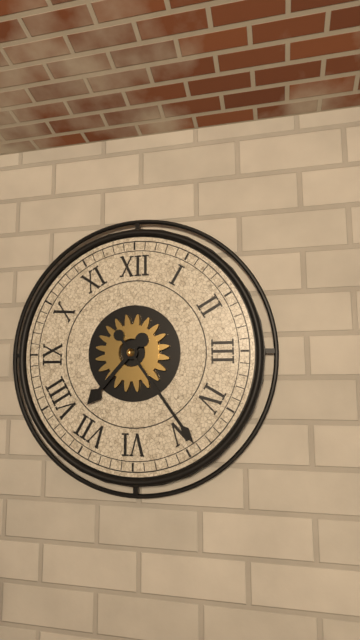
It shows 7,24
